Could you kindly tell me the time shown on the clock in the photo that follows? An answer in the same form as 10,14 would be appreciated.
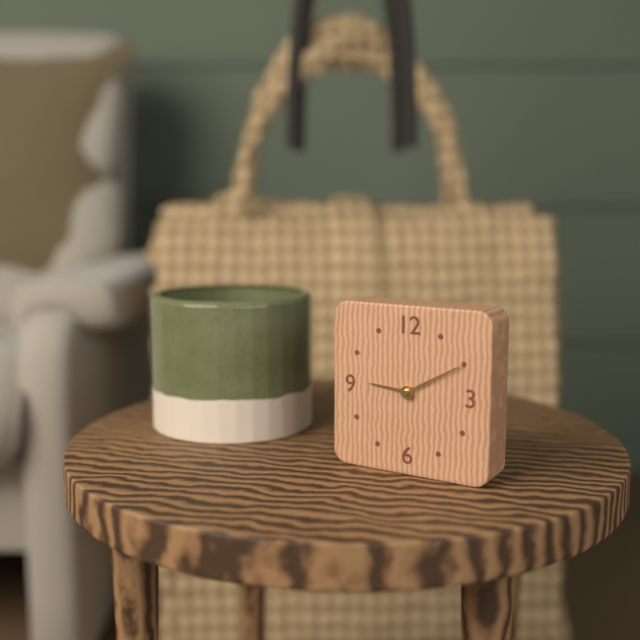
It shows 9,10
